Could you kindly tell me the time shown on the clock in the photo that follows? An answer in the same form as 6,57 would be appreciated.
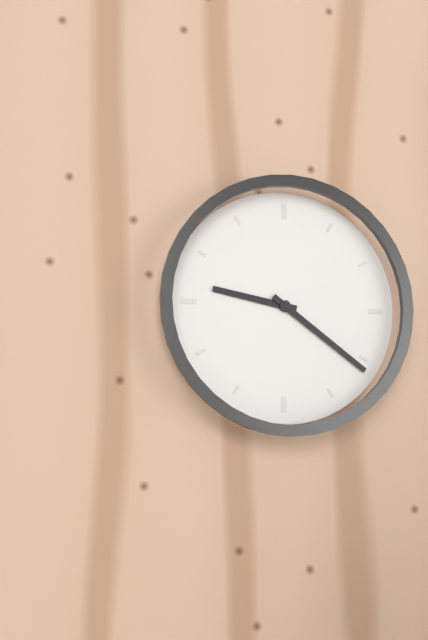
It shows 9,21
